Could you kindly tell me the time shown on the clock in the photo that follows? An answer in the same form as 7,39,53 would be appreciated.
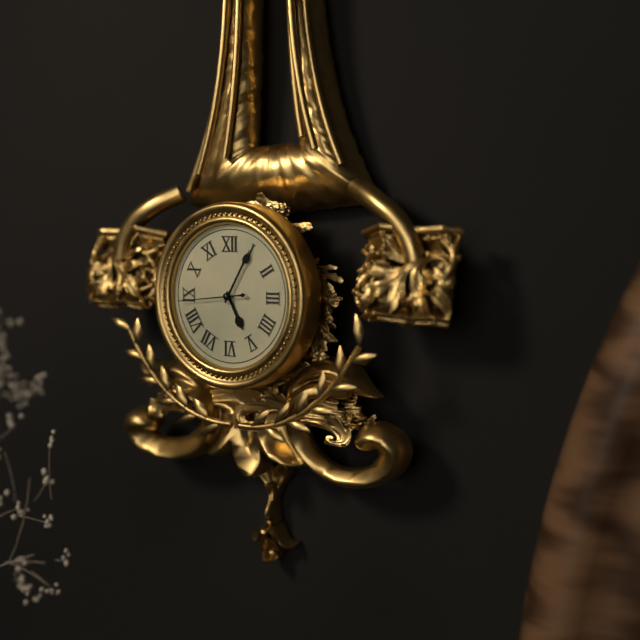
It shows 5,05,44
